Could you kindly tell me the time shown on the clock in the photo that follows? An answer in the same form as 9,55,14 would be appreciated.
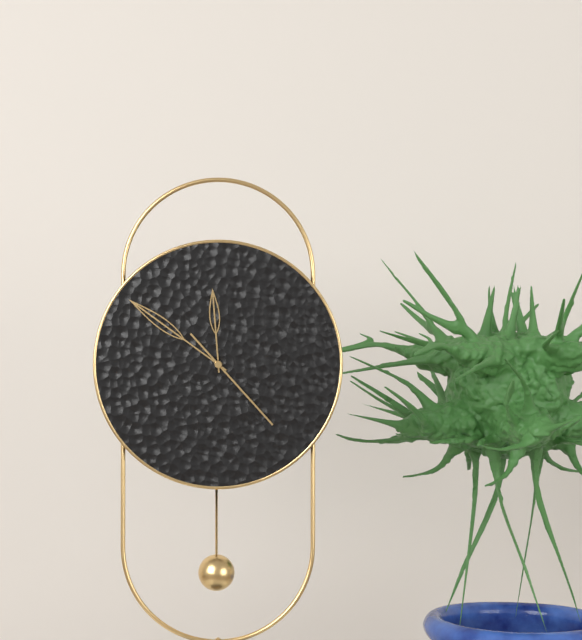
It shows 11,51,23
